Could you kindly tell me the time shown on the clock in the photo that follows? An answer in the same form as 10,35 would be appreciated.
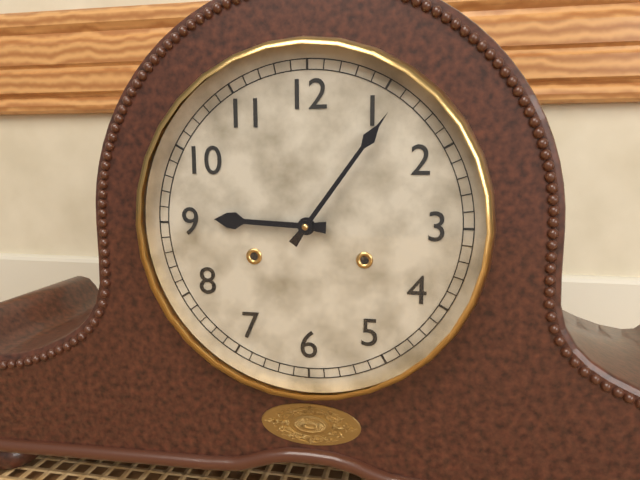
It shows 9,06
